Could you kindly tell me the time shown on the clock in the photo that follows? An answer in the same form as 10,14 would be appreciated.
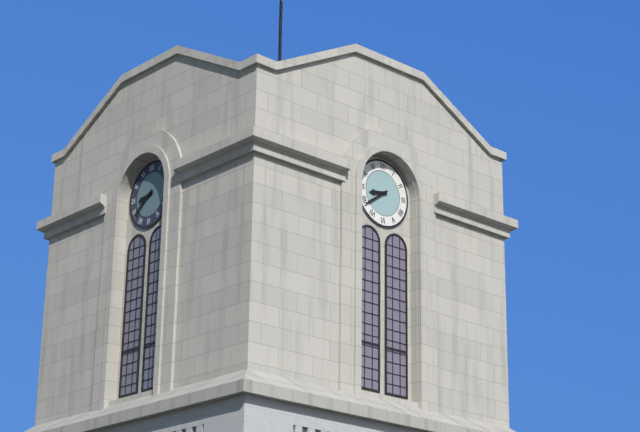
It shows 8,39
